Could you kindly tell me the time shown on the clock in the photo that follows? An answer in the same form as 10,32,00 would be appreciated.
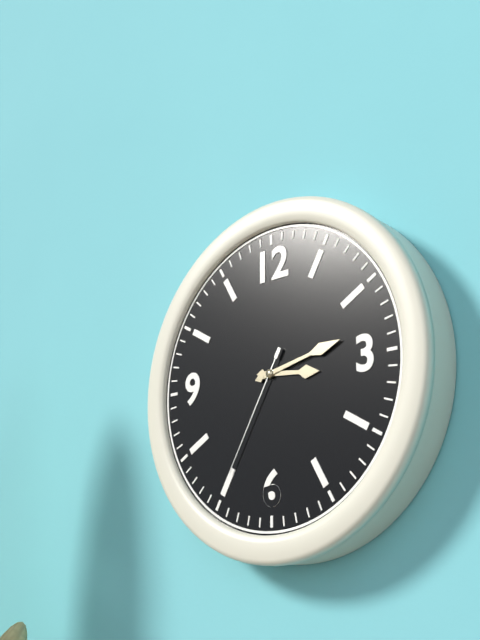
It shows 3,13,35
